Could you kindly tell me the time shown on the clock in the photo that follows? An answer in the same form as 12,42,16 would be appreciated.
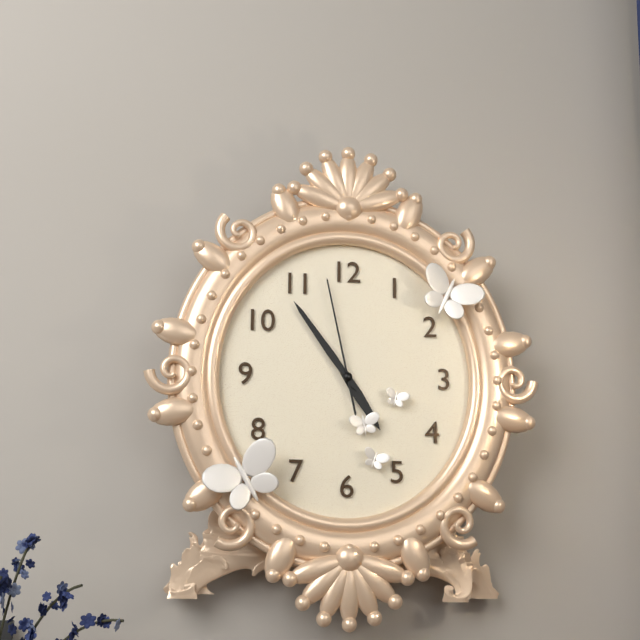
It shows 4,54,58
